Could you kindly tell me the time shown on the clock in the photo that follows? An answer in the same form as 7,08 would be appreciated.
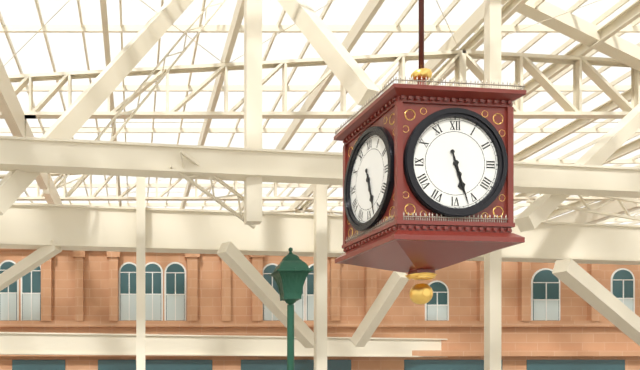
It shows 5,27
